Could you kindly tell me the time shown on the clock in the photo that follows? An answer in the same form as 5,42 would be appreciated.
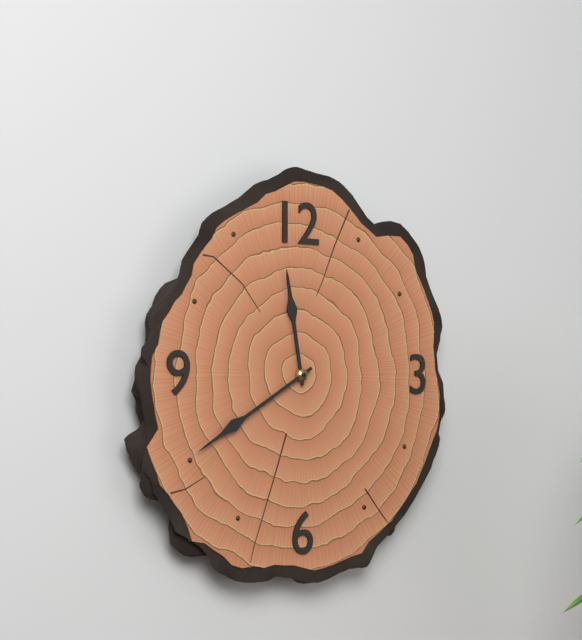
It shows 11,40
